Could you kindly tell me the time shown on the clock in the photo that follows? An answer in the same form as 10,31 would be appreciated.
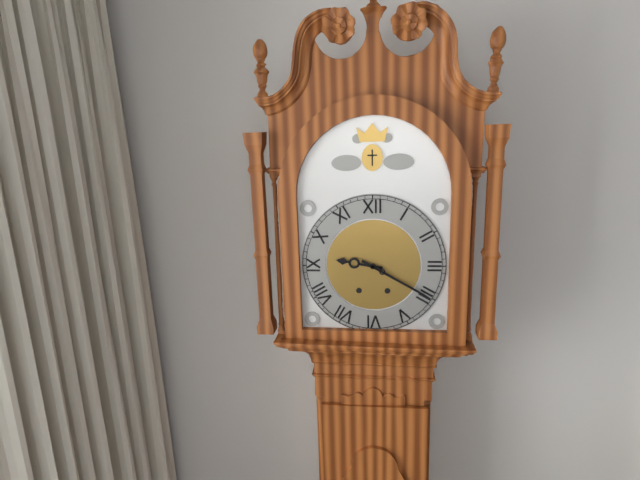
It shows 9,20
